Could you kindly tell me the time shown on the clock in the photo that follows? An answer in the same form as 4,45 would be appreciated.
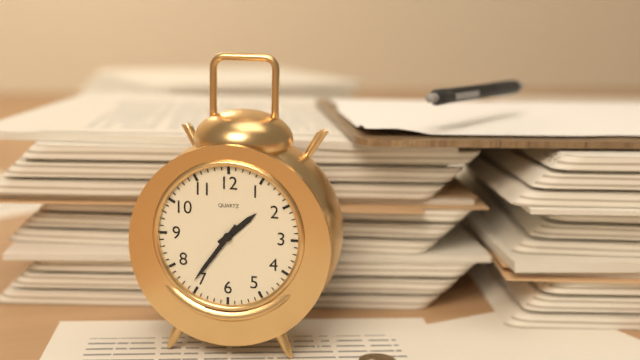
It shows 1,36
